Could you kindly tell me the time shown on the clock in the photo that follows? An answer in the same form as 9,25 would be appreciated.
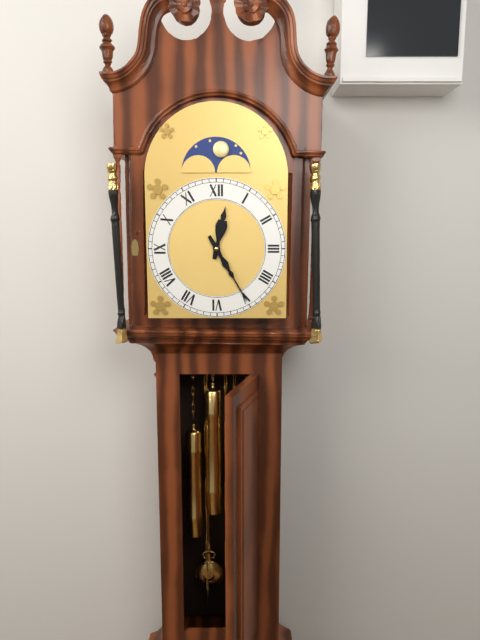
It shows 12,25
